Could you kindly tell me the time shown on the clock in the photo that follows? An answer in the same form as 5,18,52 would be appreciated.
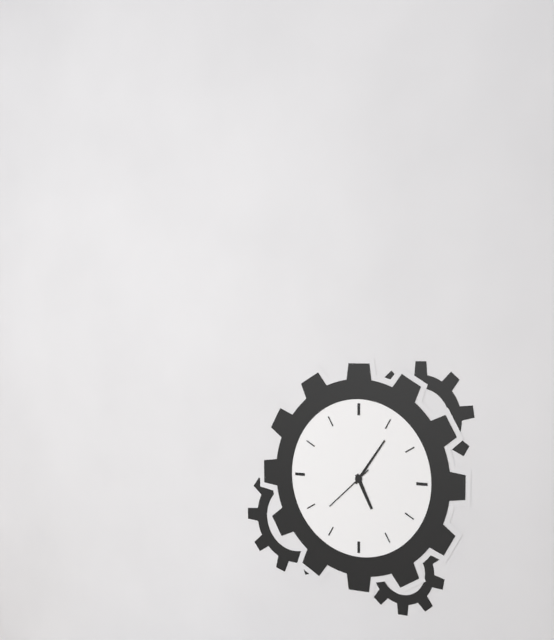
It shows 5,06,38
